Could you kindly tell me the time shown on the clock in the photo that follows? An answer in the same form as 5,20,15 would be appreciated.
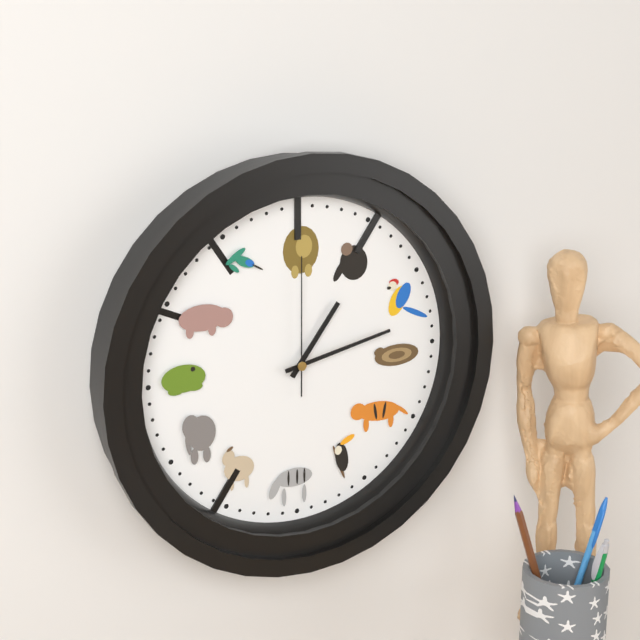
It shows 1,13,00
